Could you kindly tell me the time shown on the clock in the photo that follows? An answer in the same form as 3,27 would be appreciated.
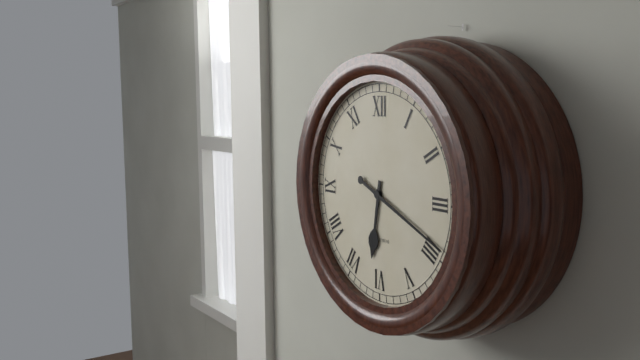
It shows 6,19
